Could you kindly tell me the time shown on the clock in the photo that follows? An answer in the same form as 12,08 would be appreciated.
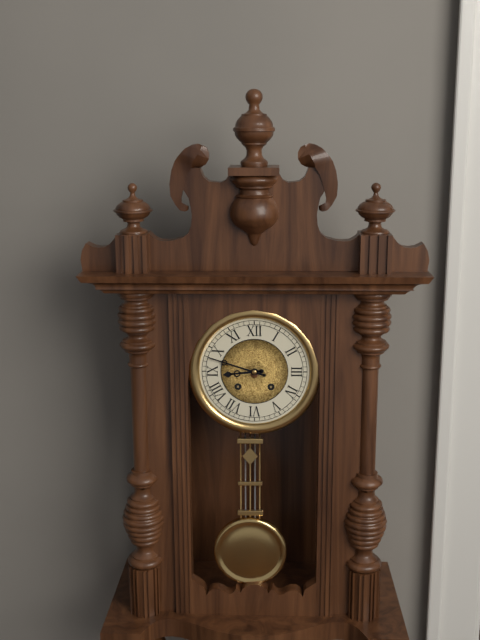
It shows 8,48
